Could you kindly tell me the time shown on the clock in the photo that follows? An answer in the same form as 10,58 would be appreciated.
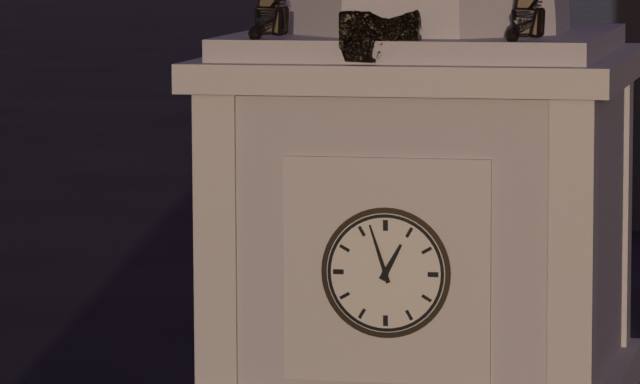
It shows 12,57
